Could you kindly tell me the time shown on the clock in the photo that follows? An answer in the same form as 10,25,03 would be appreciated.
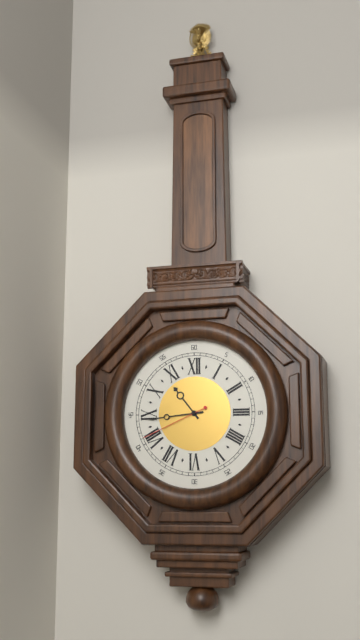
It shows 10,44,41
